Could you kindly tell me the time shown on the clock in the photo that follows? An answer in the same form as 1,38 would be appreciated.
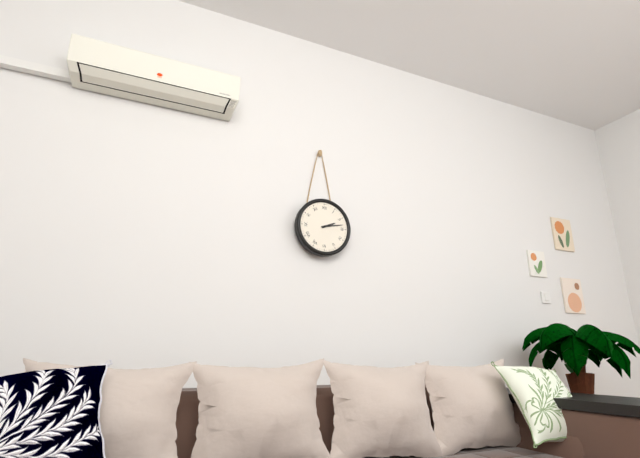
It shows 2,13
